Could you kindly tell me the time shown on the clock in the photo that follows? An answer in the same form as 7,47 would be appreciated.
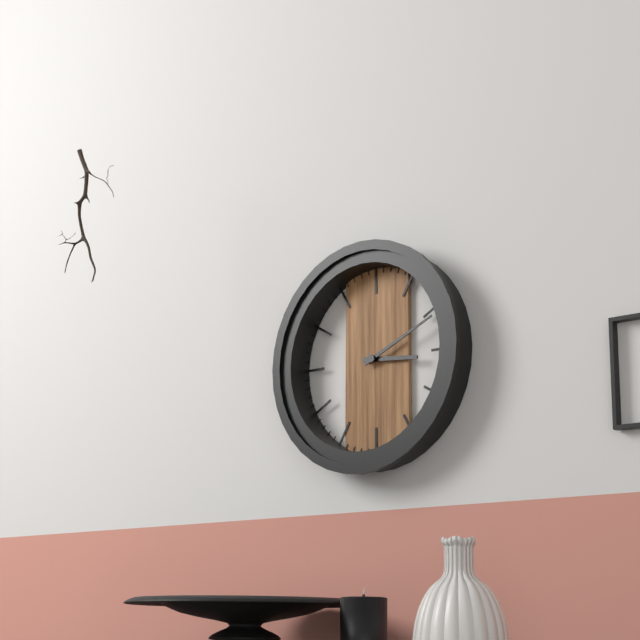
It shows 3,11
